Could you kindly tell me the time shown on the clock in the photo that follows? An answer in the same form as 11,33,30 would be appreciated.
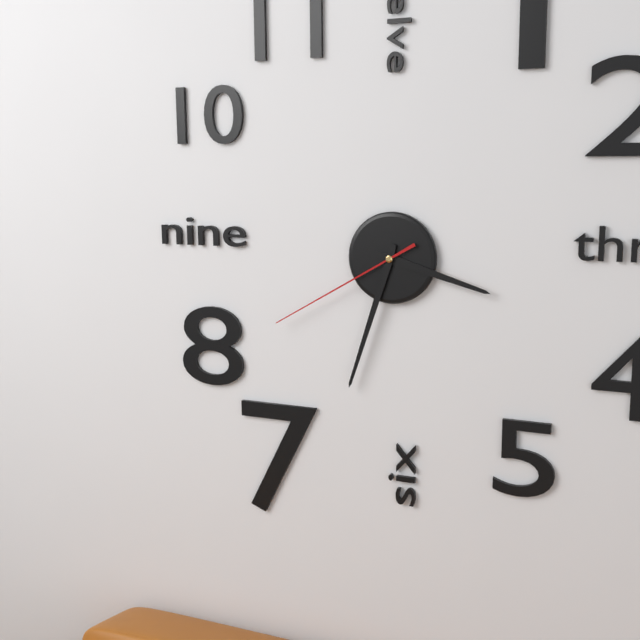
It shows 3,33,40
